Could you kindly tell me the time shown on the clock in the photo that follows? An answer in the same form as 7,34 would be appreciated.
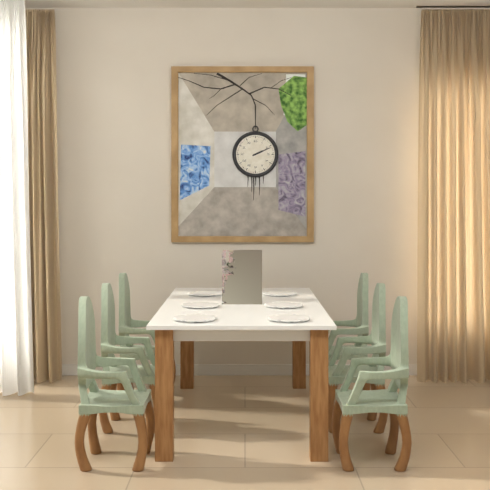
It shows 2,11
